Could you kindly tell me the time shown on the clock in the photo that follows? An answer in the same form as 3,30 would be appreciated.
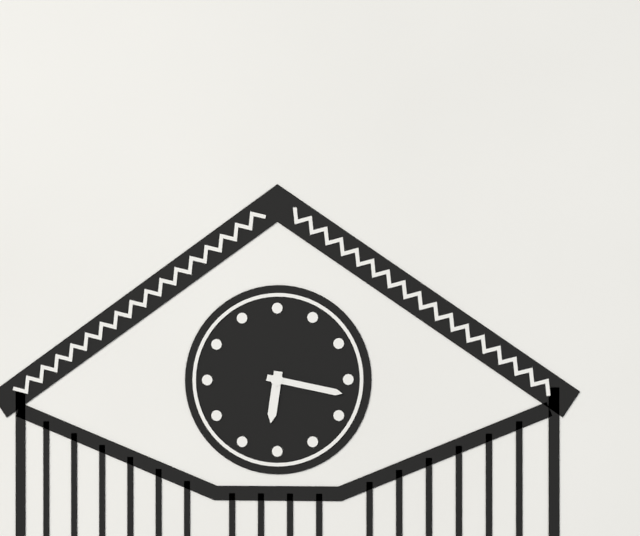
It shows 6,17
